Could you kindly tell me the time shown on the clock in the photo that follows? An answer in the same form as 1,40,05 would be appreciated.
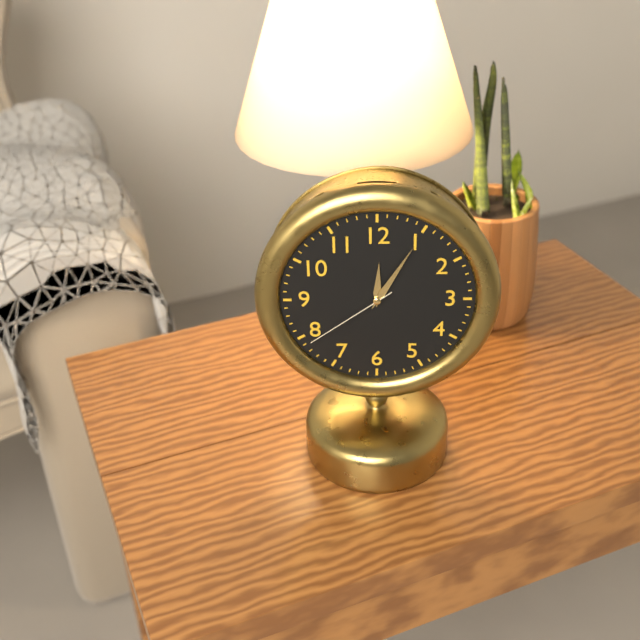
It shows 12,05,39
